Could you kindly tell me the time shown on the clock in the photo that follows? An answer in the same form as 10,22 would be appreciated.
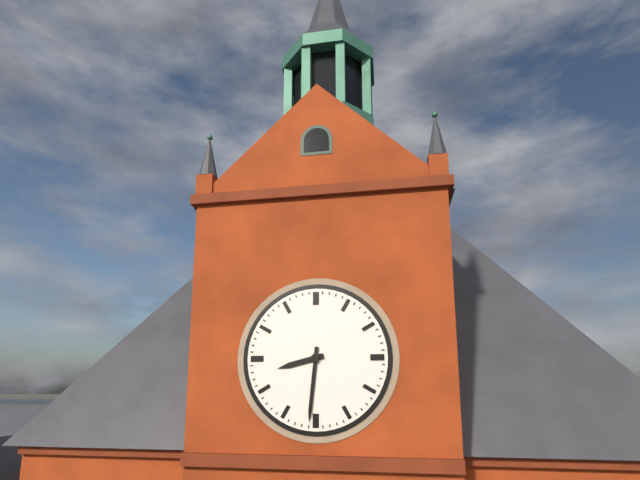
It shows 8,31
